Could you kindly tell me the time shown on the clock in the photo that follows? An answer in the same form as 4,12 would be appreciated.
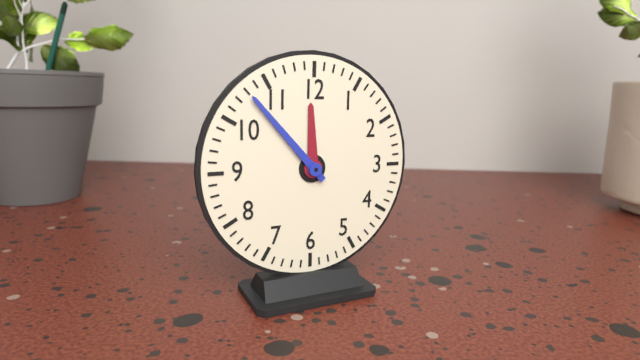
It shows 11,53
